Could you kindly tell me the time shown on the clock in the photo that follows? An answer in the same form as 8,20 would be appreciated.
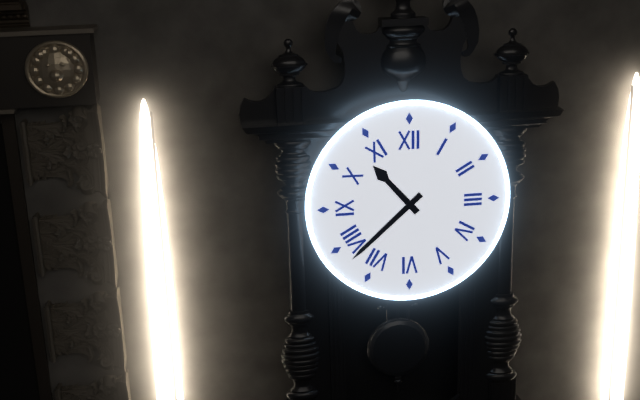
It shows 10,38
